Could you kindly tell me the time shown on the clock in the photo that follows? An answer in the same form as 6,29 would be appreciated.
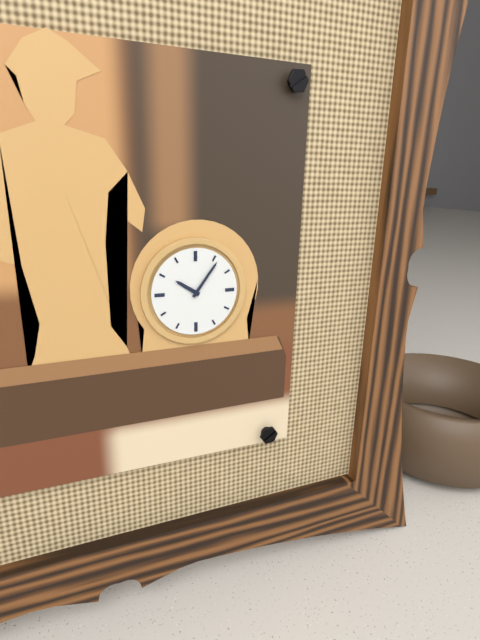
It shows 10,06
